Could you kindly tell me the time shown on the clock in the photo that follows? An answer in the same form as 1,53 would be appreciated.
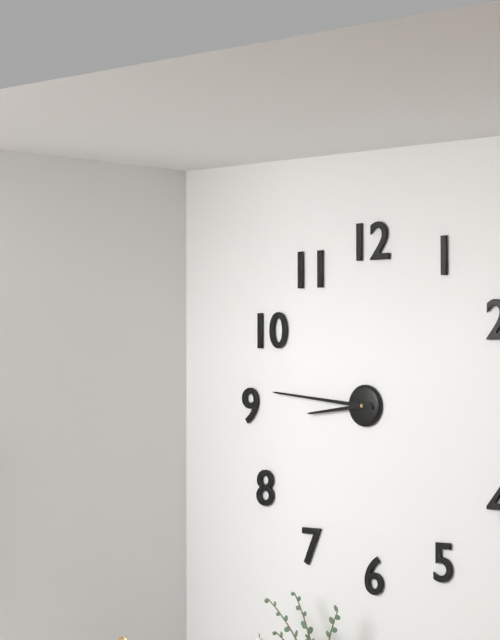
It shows 8,46
